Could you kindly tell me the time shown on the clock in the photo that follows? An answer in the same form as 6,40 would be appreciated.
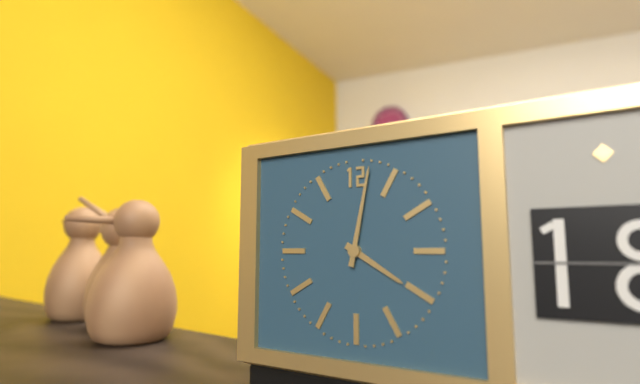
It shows 4,02
